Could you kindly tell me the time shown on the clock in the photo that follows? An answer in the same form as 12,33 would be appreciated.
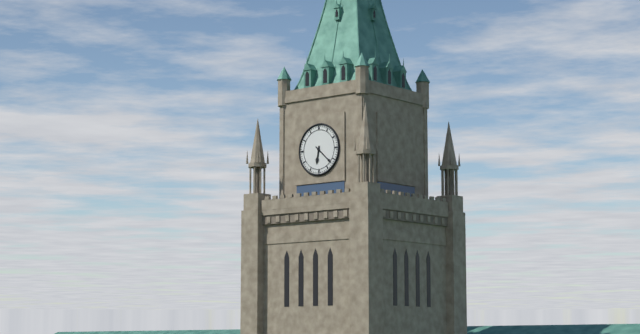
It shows 6,22
